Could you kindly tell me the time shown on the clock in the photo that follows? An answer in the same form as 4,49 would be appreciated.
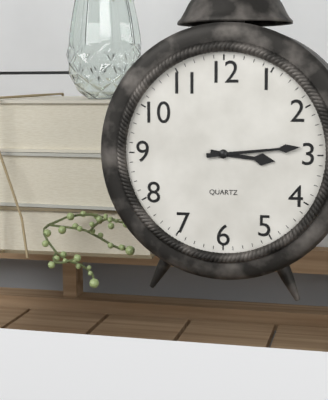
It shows 3,14
